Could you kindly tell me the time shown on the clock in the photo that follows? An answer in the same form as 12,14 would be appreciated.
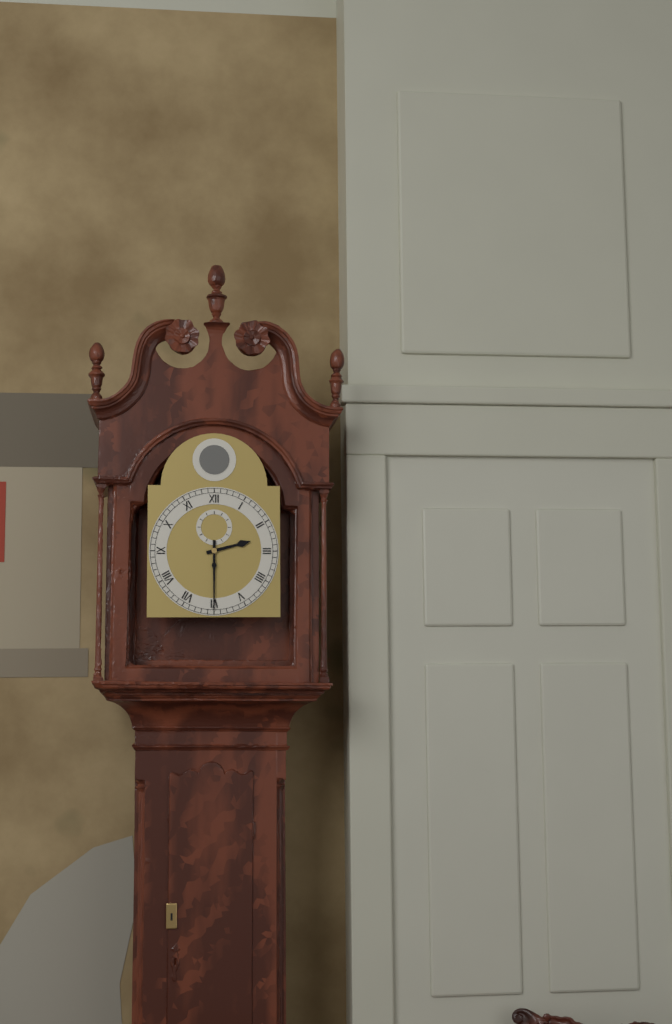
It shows 2,30
